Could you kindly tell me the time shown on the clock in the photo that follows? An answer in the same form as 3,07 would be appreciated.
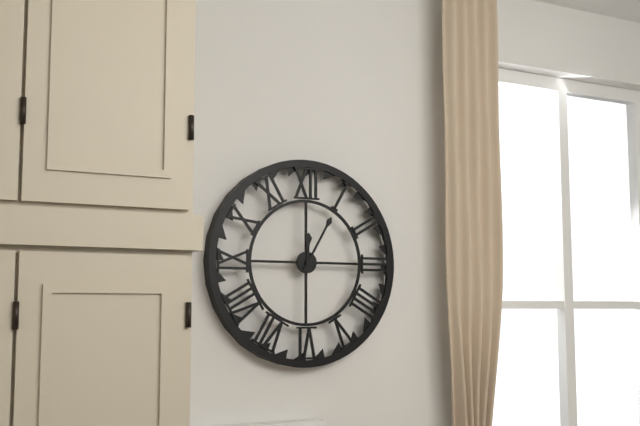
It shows 12,05
